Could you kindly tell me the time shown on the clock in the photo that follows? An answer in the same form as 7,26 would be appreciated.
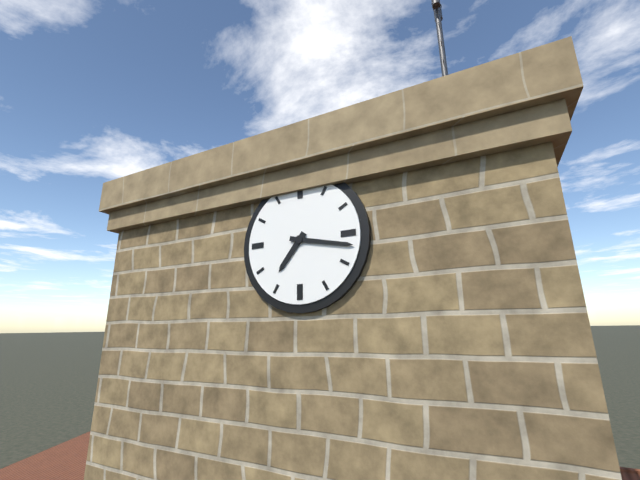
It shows 7,17
